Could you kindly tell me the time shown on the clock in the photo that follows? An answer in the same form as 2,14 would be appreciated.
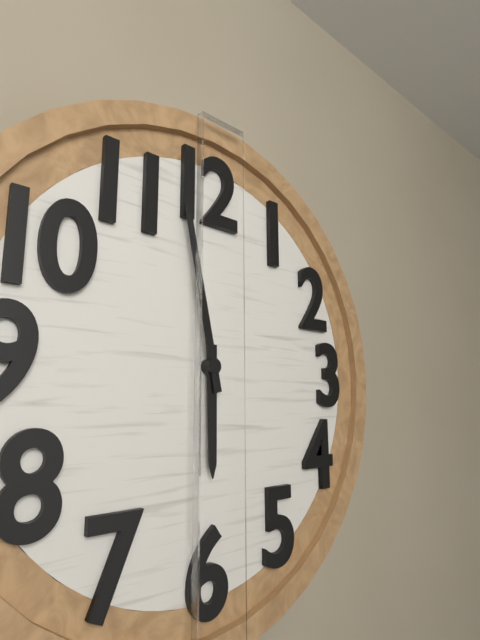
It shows 5,58
